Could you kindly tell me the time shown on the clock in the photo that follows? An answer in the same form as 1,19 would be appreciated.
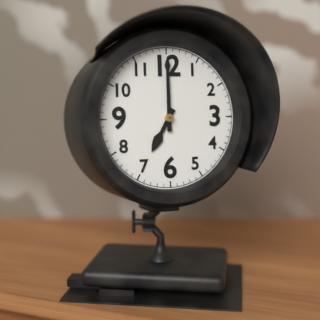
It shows 7,00
